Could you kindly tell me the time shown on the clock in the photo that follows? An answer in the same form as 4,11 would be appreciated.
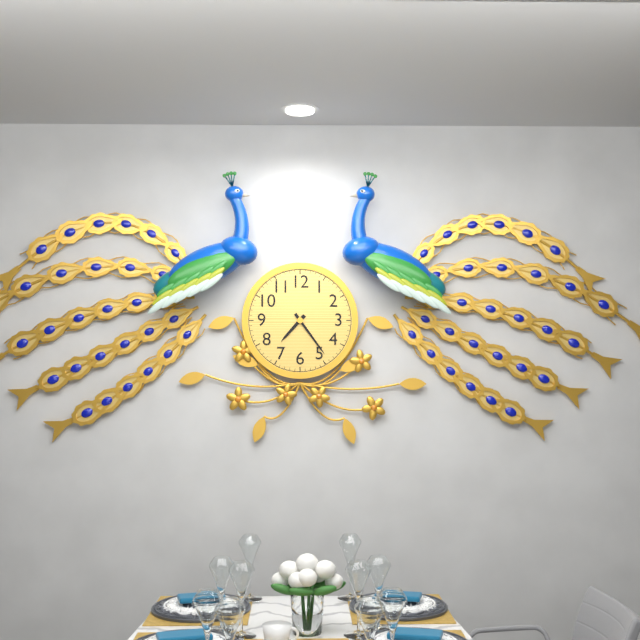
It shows 7,24
